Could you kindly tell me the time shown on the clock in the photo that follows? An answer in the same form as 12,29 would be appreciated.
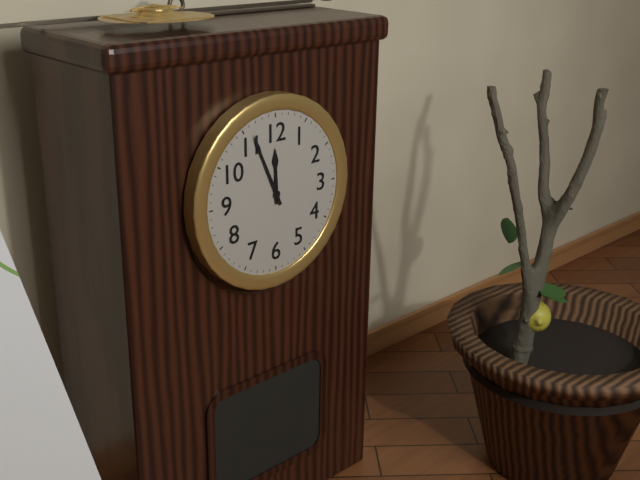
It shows 11,56
